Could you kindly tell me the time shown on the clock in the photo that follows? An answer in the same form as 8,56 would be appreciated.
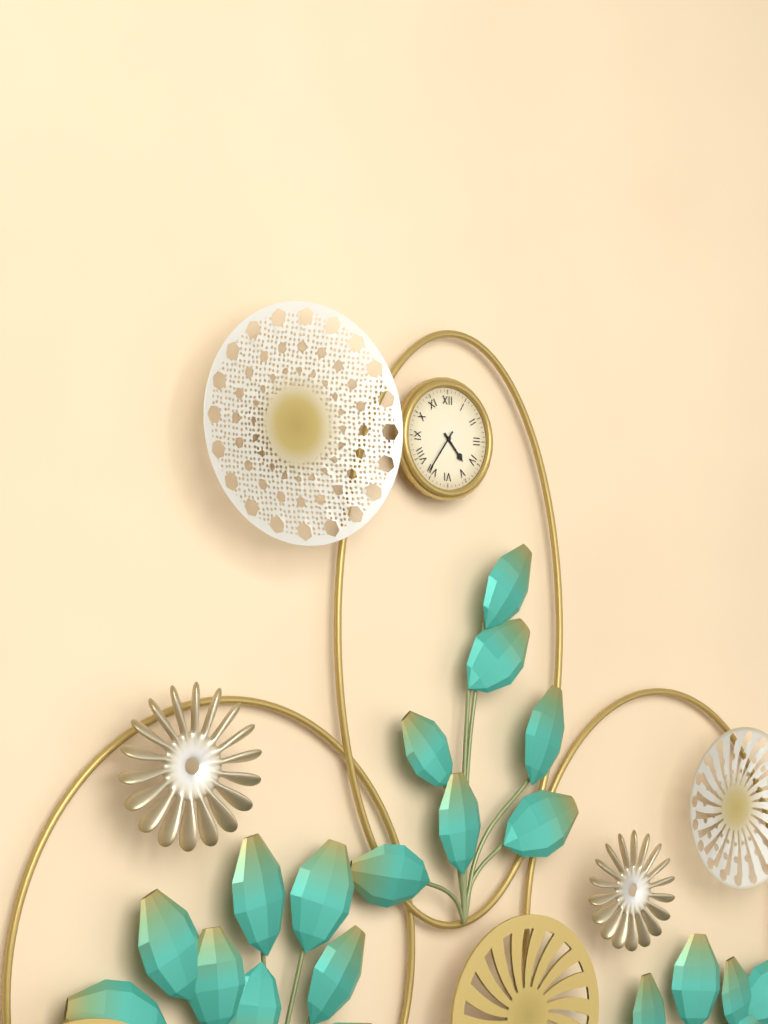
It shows 4,36
